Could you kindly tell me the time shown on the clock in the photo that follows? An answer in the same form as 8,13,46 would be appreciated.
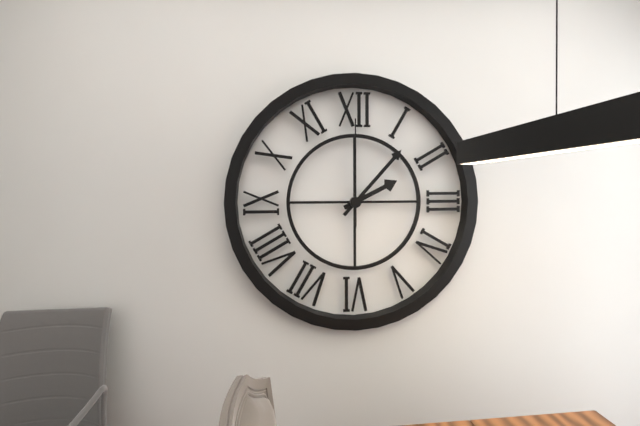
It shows 2,07,00
